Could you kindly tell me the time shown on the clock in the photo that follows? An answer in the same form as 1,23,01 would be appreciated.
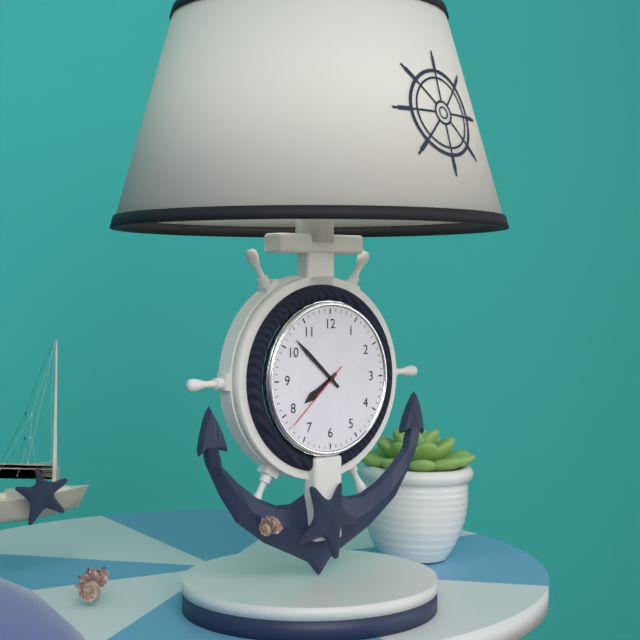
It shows 7,52,38
